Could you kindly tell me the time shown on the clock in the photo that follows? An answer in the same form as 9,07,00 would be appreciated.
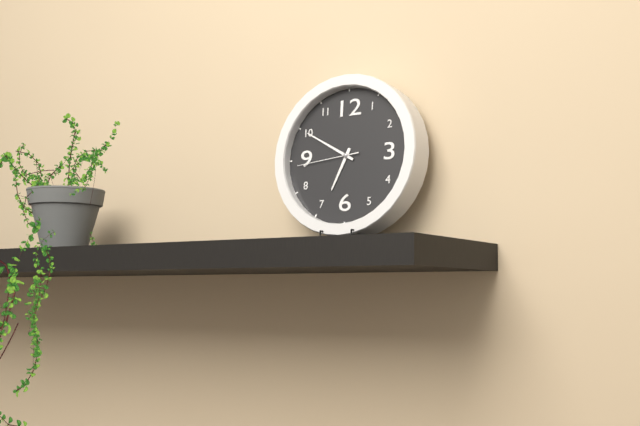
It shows 6,50,44
